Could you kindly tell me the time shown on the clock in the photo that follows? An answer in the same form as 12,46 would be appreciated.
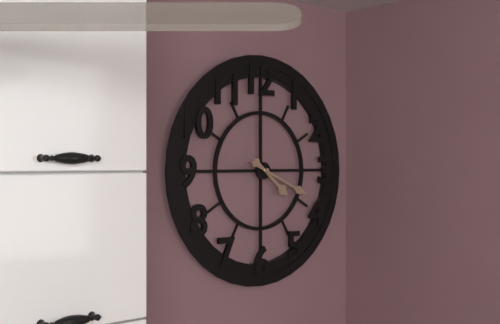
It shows 4,19
